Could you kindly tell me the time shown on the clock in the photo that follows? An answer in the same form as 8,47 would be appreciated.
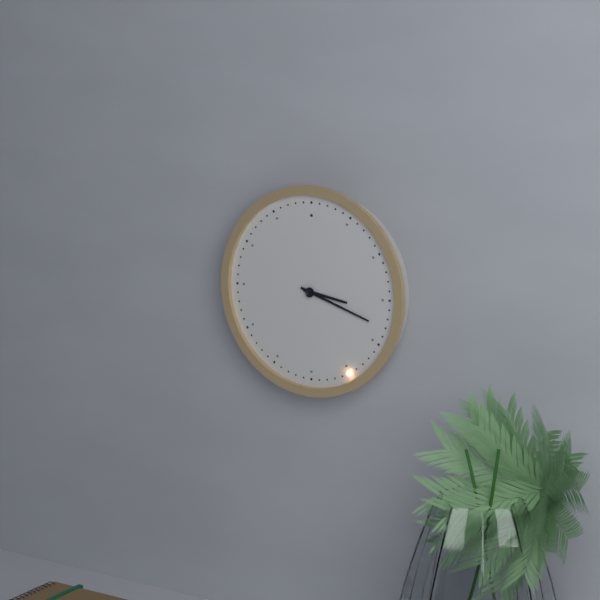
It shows 3,18
